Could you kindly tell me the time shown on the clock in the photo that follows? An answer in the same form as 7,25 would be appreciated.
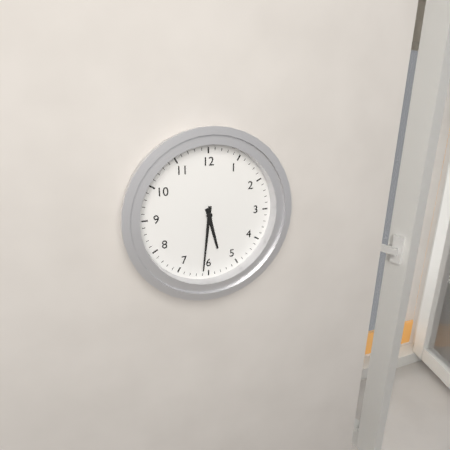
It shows 5,31
